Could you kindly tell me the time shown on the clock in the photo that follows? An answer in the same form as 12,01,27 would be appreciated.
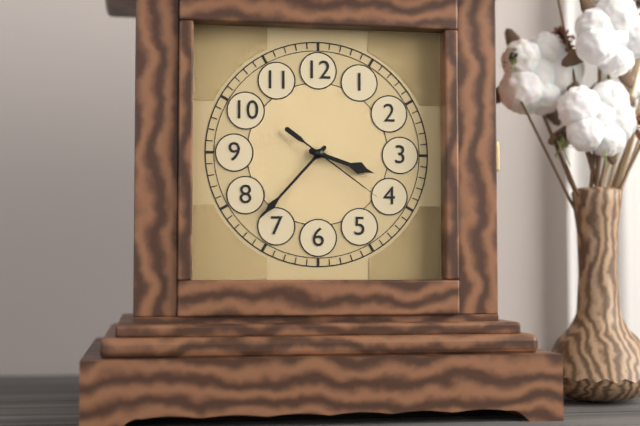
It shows 3,37,21
